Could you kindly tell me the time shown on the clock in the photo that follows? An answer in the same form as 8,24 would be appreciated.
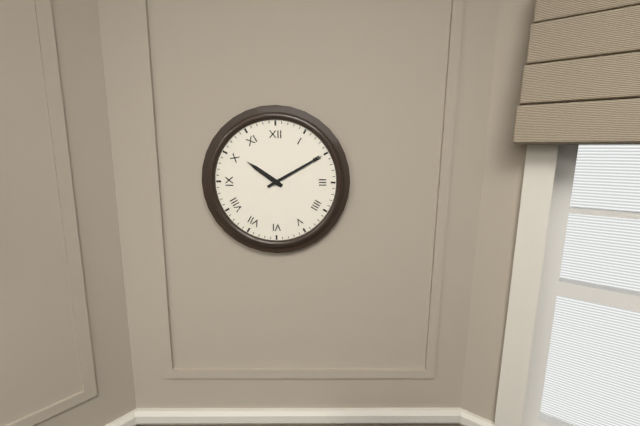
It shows 10,10
